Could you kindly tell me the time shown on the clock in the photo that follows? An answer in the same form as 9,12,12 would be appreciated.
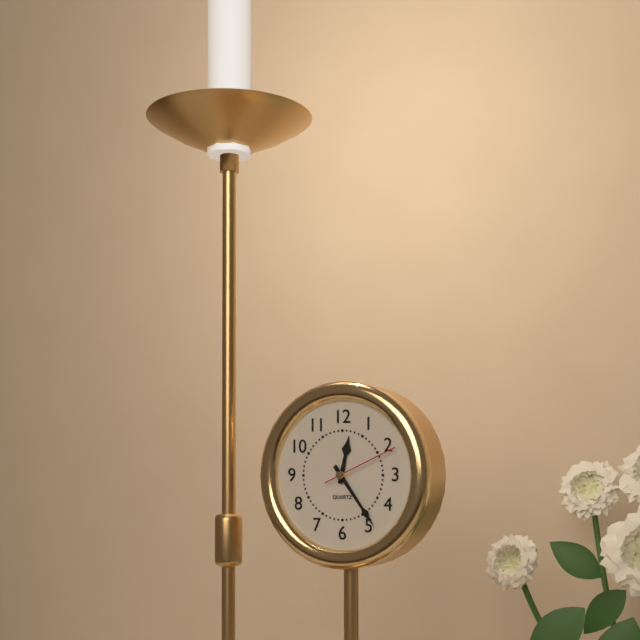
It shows 12,24,11
